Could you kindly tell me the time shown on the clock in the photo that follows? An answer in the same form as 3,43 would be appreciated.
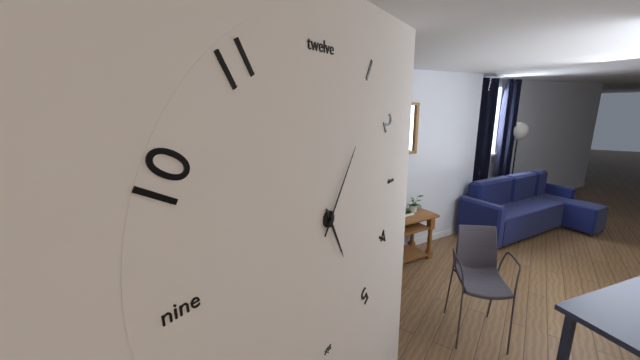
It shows 5,06
